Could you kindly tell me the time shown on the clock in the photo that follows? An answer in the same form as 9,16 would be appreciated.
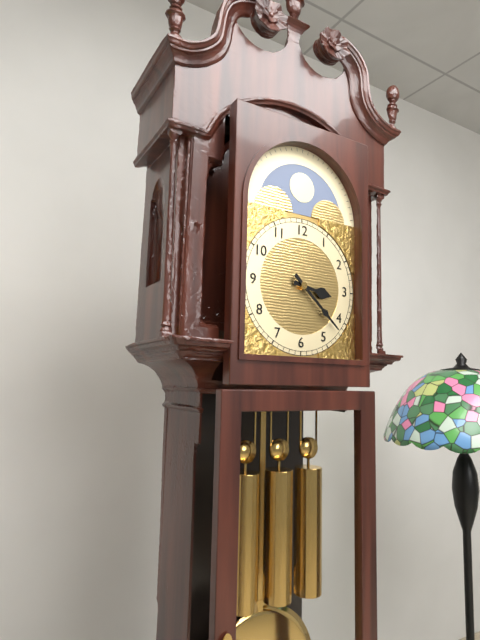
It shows 3,22
